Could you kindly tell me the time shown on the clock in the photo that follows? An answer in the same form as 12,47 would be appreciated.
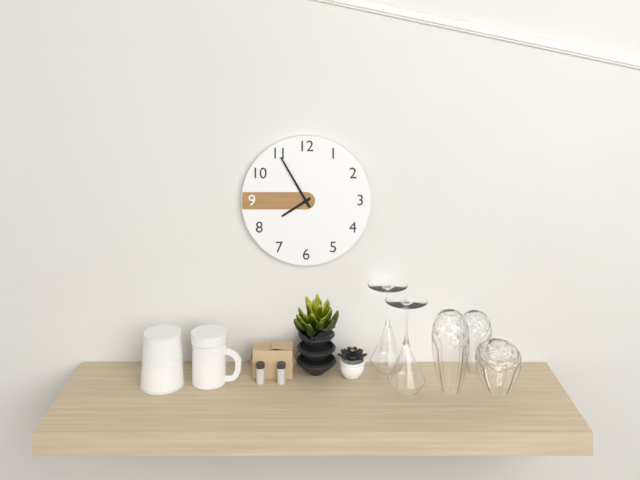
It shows 7,55
